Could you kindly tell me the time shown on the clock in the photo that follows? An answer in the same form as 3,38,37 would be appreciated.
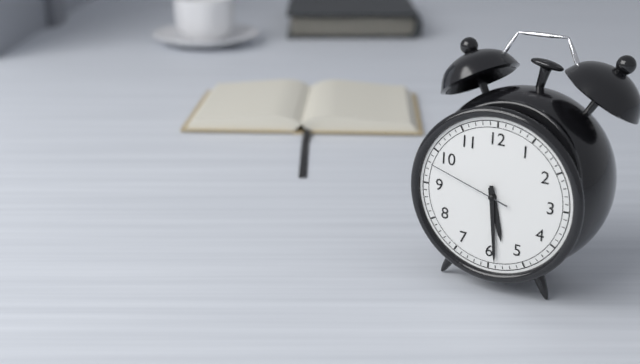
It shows 5,29,48
